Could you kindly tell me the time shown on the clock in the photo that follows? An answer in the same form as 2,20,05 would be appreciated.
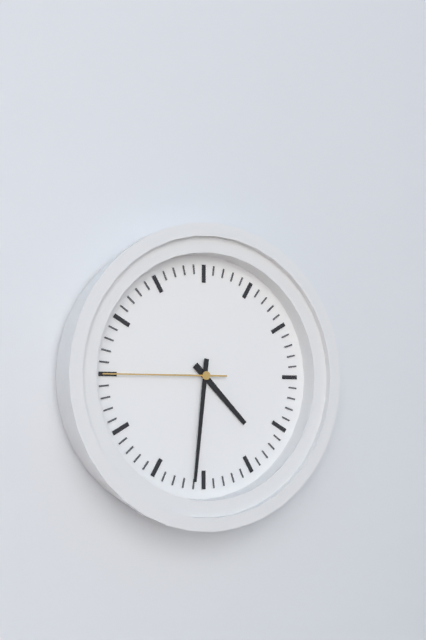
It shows 4,31,45
